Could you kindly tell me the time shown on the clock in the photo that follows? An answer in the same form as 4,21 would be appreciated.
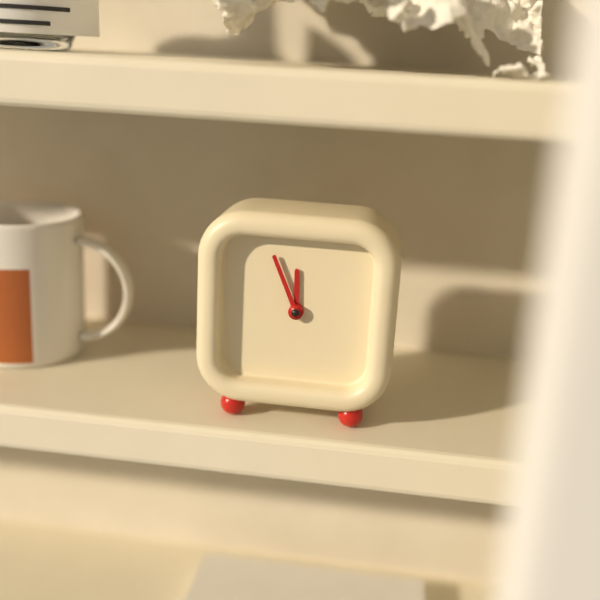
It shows 11,56
